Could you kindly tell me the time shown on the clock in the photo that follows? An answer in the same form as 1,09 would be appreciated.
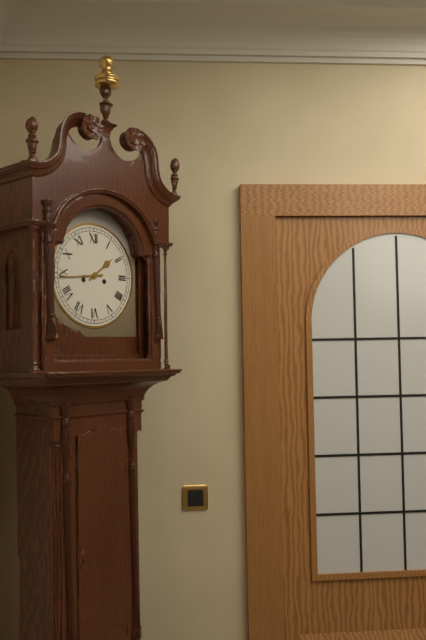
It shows 1,44
